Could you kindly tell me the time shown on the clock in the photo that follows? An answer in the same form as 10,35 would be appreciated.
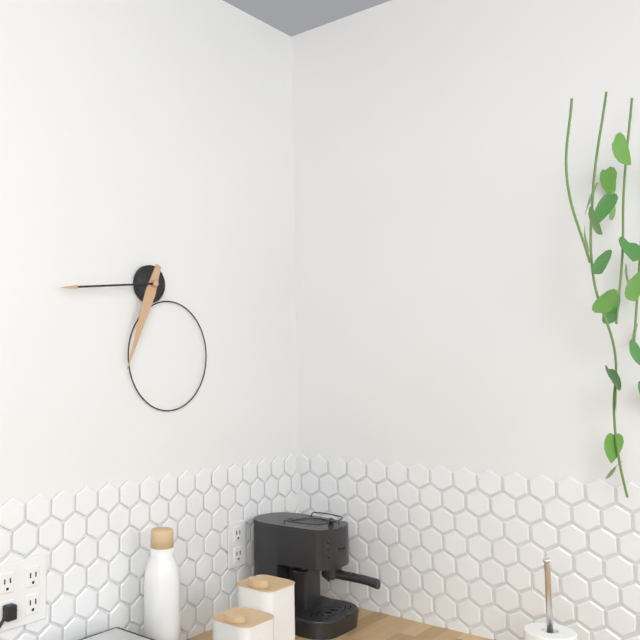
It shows 6,44
